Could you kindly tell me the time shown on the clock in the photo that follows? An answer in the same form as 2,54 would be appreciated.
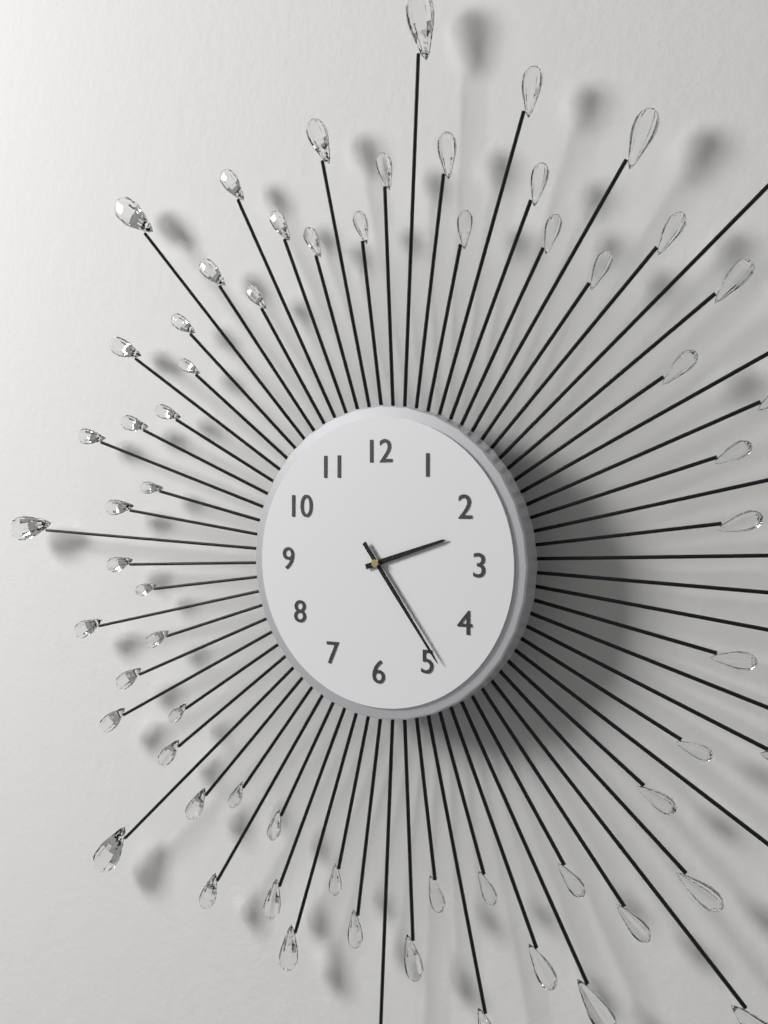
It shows 2,24
